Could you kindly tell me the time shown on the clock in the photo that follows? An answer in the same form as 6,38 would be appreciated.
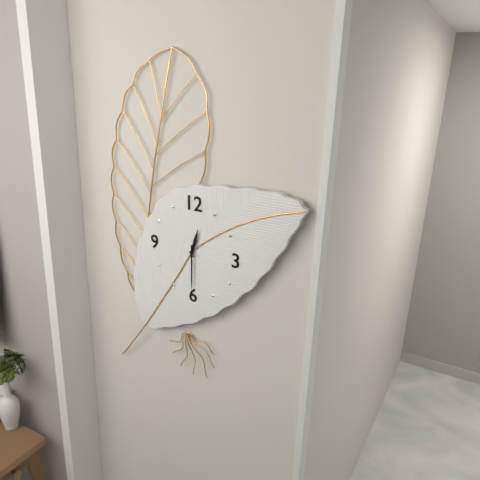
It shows 12,30
